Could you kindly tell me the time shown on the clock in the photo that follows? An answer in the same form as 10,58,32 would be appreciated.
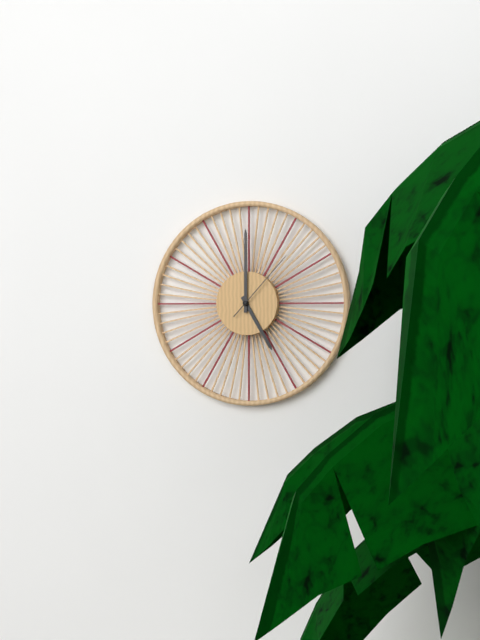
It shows 5,00,07
